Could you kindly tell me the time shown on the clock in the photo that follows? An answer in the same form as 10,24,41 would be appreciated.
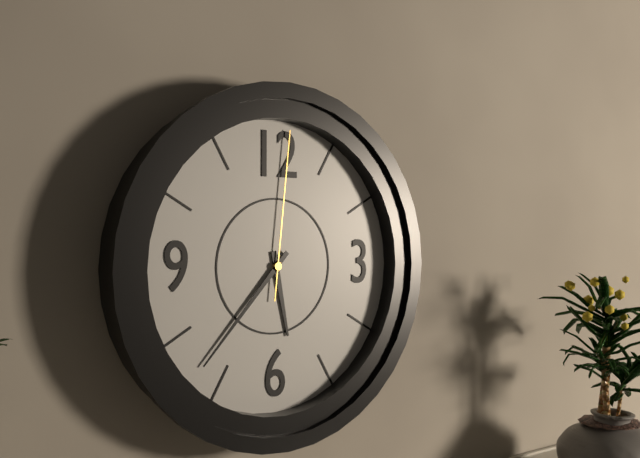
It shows 5,37,01
